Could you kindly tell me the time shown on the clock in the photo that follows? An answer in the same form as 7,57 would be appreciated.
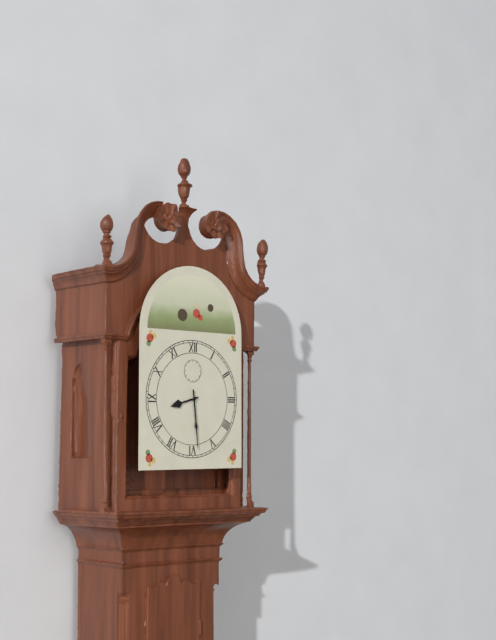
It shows 8,29
